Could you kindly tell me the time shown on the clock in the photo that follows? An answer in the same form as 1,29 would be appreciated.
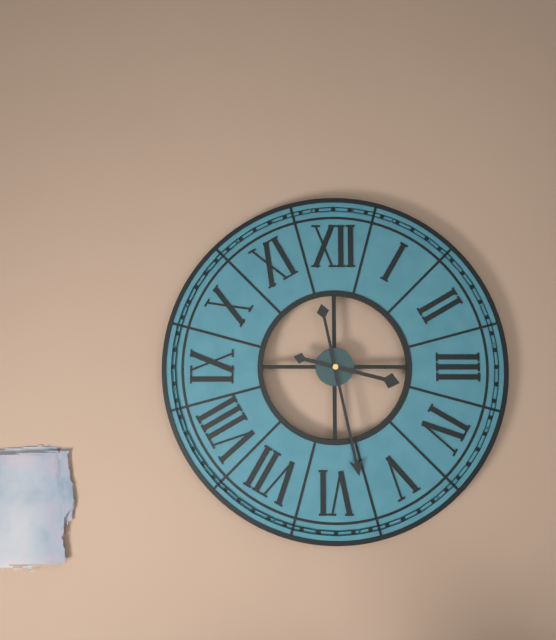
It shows 3,28
